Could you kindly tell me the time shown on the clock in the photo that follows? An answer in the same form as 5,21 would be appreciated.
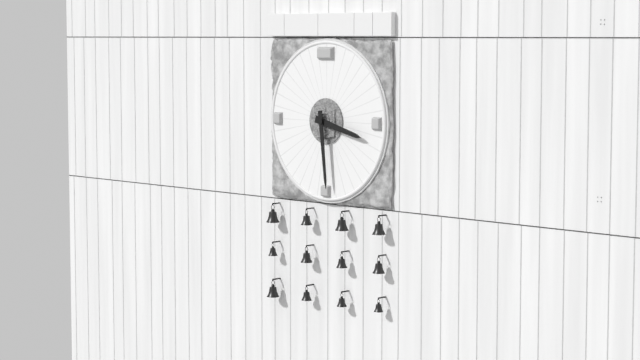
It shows 3,29
